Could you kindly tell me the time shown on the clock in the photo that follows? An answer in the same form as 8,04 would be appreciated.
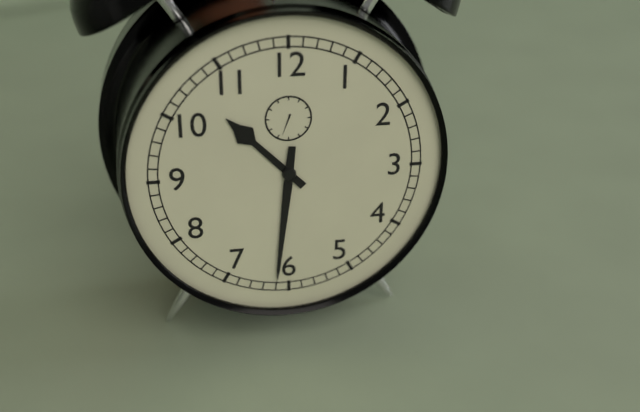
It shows 10,31
